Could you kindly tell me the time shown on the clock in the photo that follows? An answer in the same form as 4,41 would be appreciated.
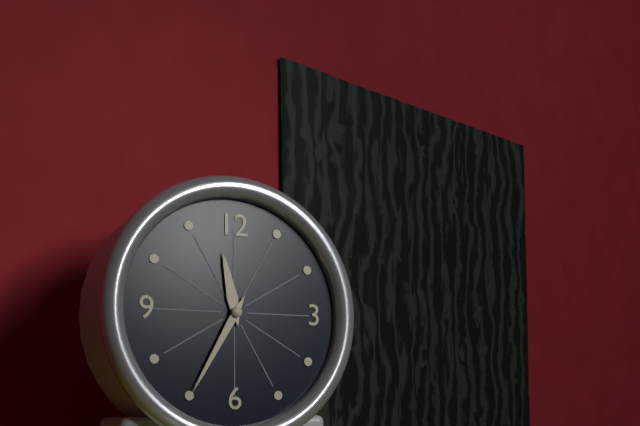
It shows 11,35
